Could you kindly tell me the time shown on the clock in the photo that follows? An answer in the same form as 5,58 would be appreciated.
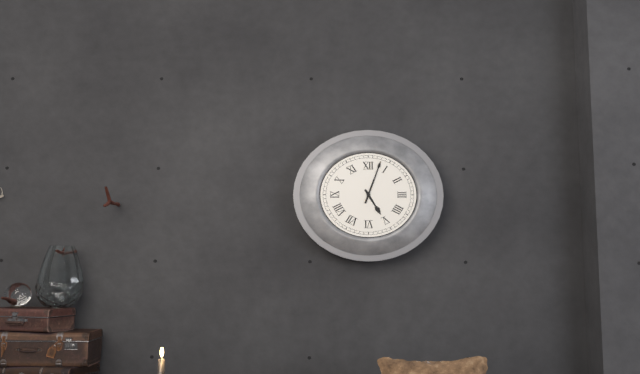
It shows 5,03
